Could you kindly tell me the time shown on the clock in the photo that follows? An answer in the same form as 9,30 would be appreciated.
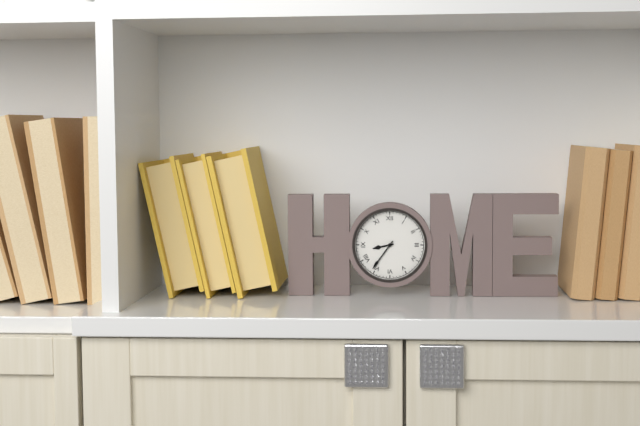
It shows 8,36
